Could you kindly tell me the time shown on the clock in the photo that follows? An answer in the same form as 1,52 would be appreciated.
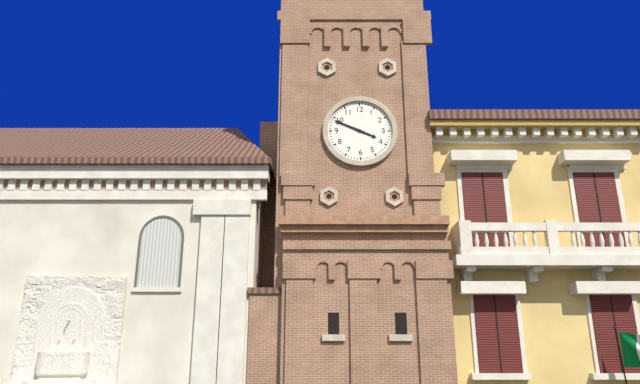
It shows 3,49
